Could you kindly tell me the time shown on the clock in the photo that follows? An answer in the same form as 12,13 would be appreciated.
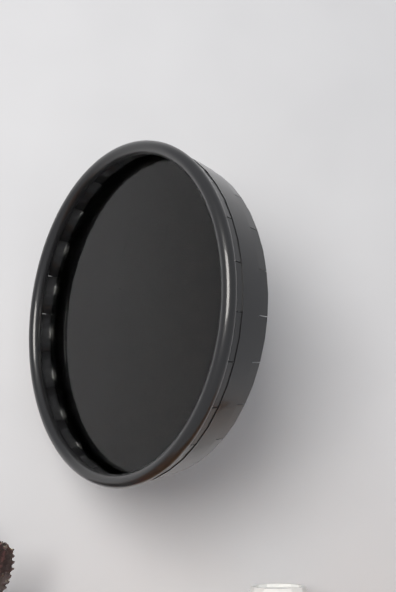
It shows 9,07
